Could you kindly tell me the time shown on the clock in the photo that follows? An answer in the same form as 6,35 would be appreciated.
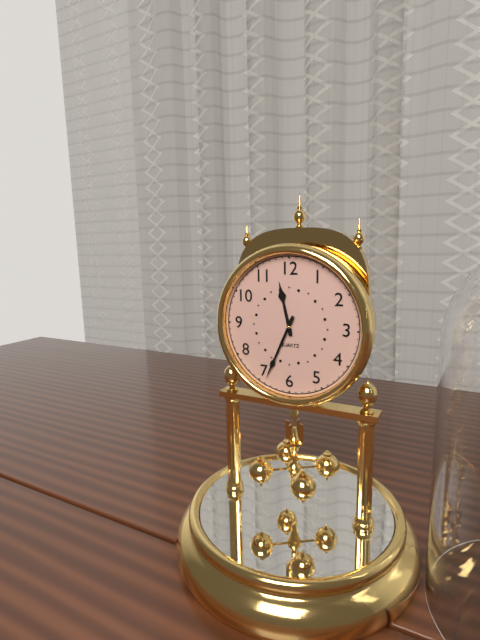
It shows 11,34
